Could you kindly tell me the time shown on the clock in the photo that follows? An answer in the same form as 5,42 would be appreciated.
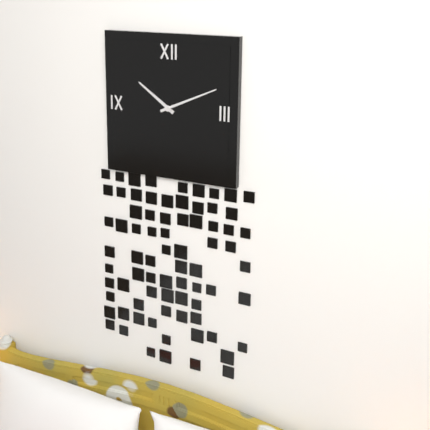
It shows 10,11
